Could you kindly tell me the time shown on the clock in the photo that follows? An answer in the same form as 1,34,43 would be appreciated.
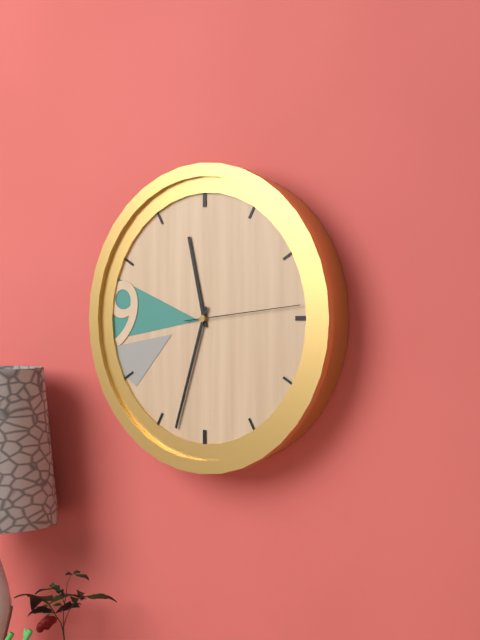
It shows 11,33,14
